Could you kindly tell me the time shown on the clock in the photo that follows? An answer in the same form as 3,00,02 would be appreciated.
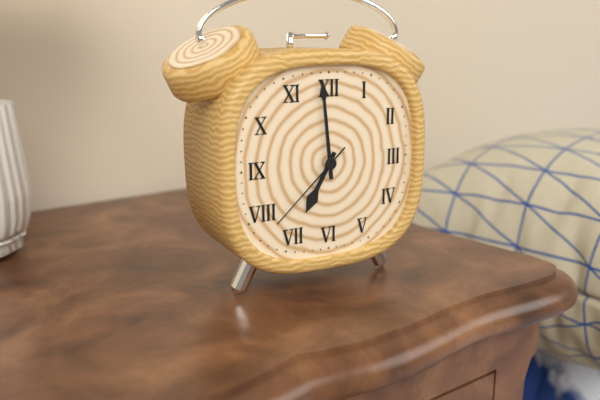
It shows 6,59,38
